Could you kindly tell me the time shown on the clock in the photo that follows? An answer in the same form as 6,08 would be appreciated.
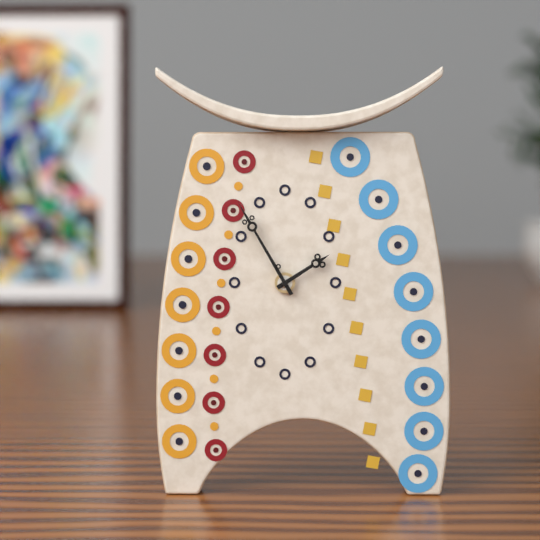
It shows 1,55
